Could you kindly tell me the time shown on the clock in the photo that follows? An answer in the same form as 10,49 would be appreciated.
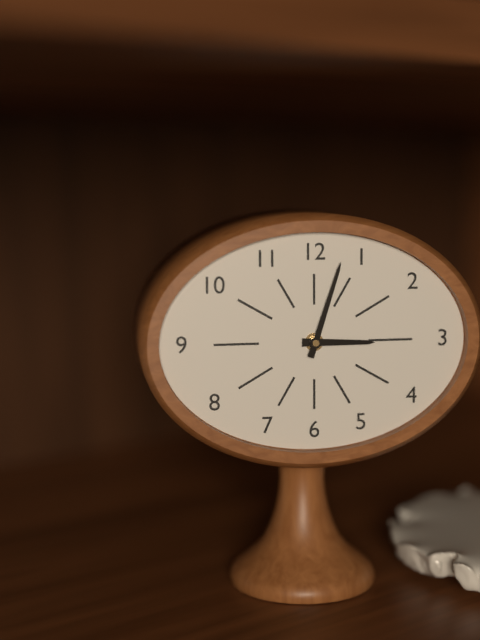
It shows 3,03
